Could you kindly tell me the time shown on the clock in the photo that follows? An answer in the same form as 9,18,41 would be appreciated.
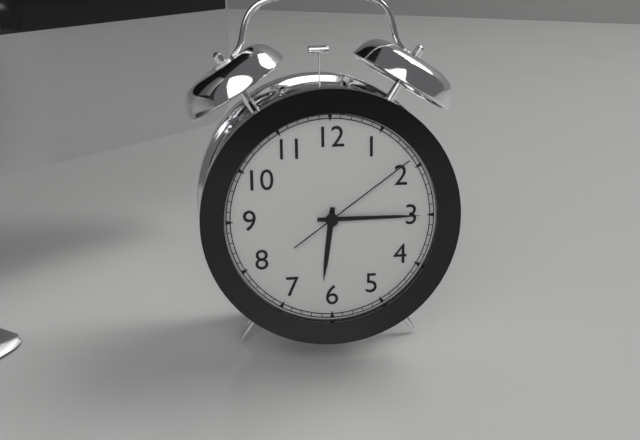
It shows 6,15,09
